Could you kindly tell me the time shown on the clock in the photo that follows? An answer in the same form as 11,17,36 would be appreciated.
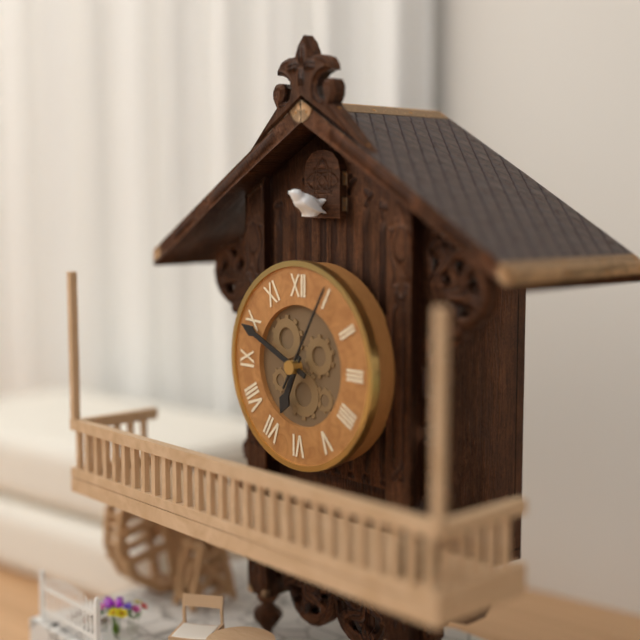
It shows 6,49,05
